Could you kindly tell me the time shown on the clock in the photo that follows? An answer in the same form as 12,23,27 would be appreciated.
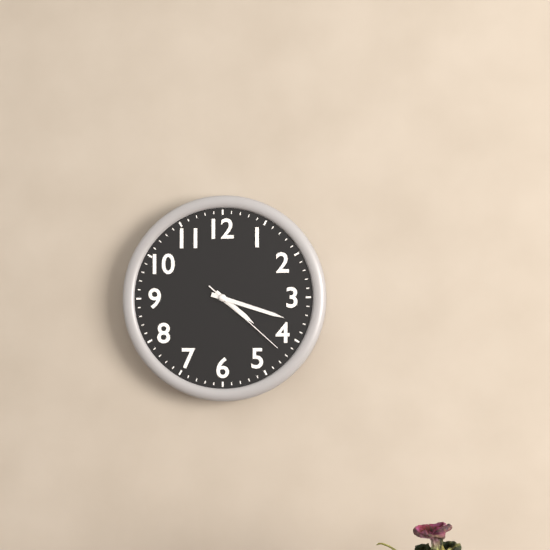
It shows 4,18,22
